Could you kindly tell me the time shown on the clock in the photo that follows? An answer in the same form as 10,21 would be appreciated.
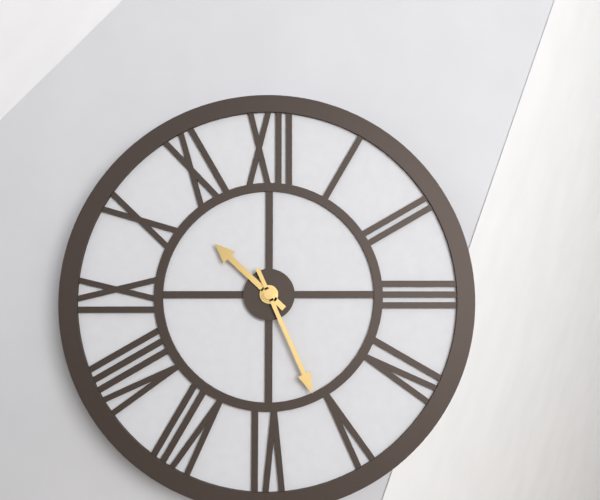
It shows 10,26
